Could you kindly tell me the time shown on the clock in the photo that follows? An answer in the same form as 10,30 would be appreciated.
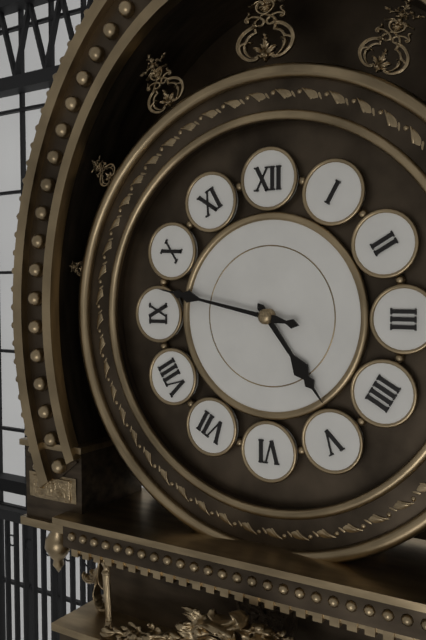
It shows 4,47
